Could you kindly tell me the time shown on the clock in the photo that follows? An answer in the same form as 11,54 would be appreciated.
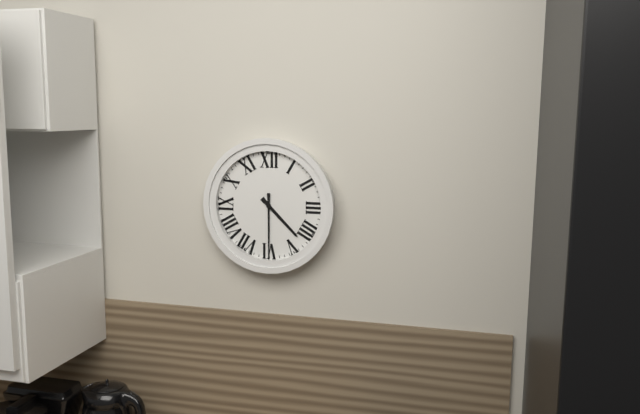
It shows 4,30
